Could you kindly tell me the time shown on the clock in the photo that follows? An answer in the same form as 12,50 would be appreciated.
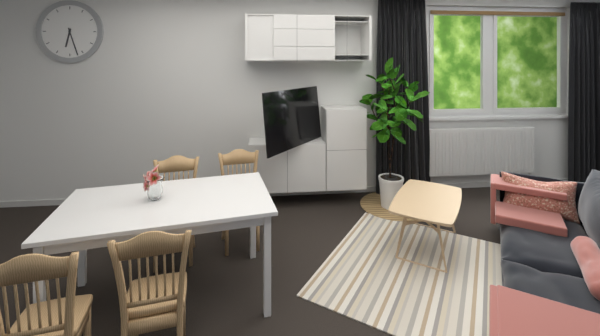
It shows 6,27
